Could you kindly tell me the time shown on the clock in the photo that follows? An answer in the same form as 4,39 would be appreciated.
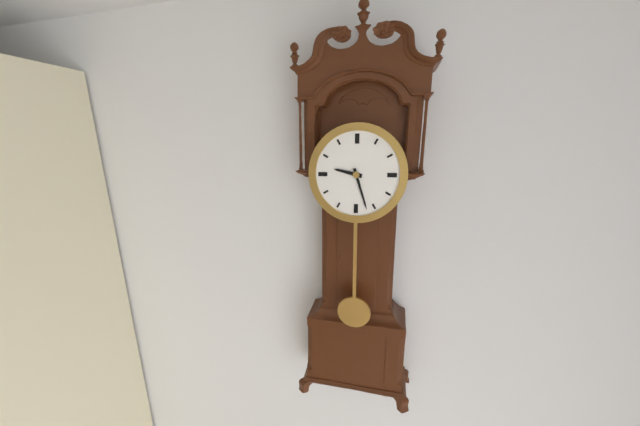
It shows 9,27
